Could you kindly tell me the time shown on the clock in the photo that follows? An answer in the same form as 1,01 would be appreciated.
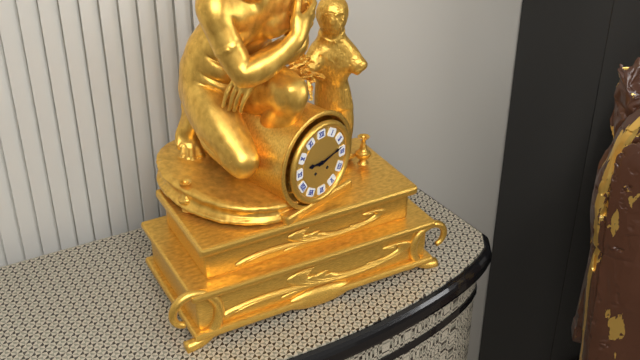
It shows 9,13
